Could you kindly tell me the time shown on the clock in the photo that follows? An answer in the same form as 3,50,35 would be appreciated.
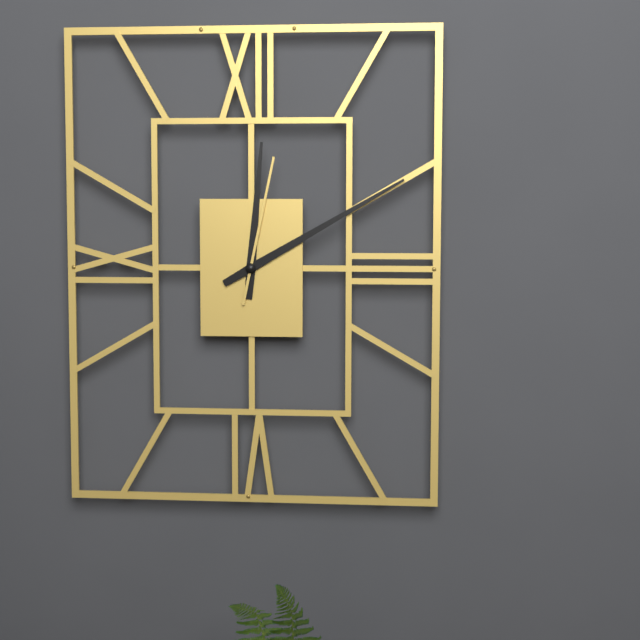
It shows 12,10,02
